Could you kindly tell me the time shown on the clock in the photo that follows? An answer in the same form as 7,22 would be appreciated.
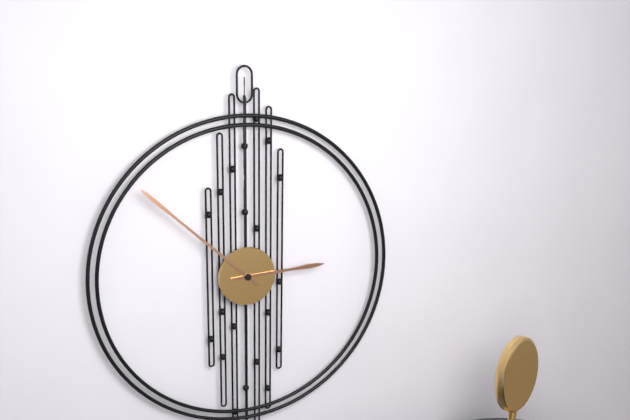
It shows 2,52
